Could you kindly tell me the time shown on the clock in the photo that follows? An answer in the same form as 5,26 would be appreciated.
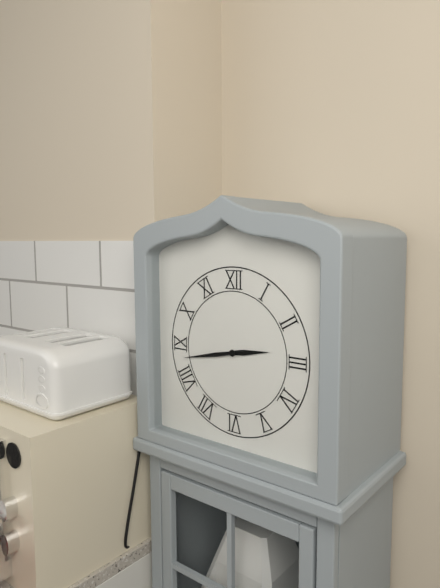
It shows 2,43
